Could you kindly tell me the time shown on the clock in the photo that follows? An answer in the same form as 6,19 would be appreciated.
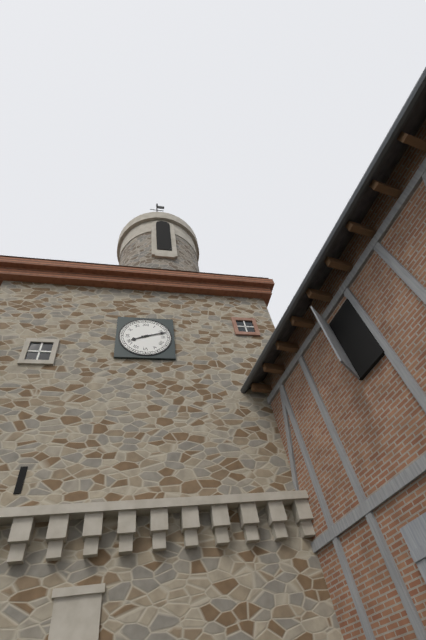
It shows 8,12
